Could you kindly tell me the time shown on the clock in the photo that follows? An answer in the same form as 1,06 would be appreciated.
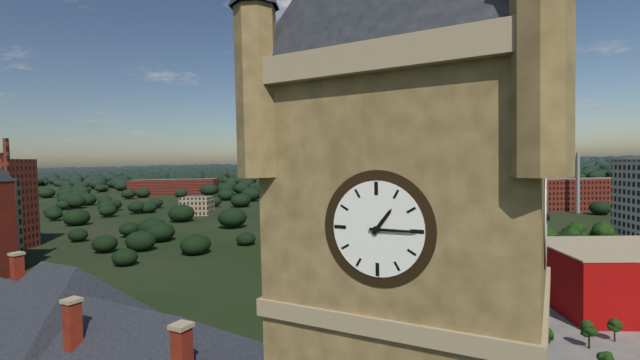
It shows 1,15
